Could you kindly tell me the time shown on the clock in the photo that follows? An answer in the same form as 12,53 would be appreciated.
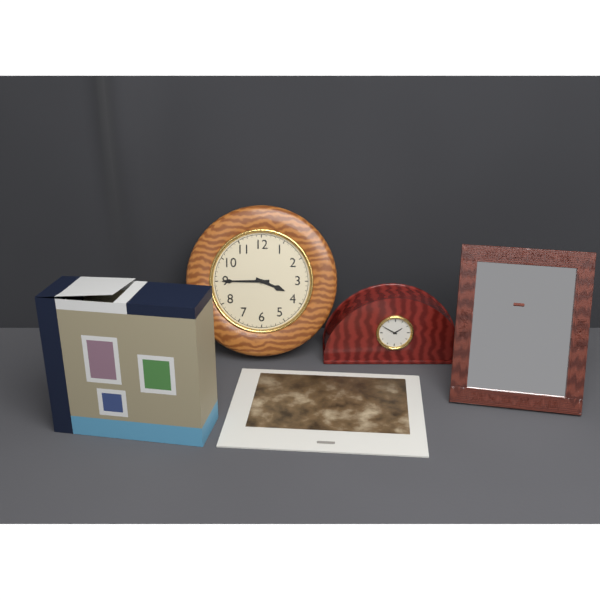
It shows 3,45
